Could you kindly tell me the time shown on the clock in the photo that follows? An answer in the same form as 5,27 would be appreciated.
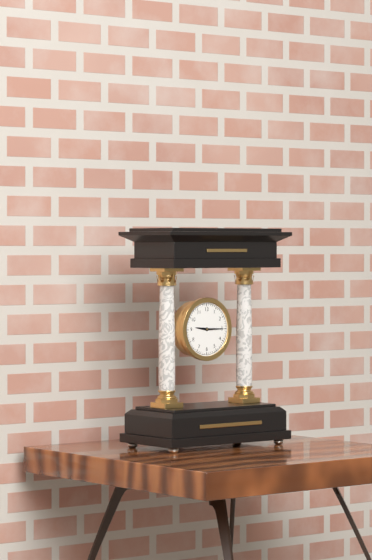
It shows 9,15
